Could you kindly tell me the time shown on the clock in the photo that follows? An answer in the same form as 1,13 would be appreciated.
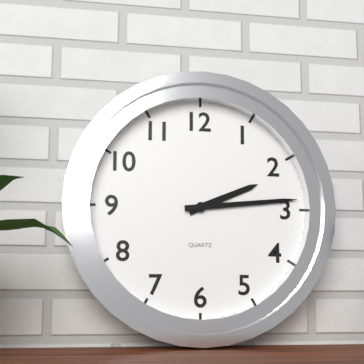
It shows 2,14
